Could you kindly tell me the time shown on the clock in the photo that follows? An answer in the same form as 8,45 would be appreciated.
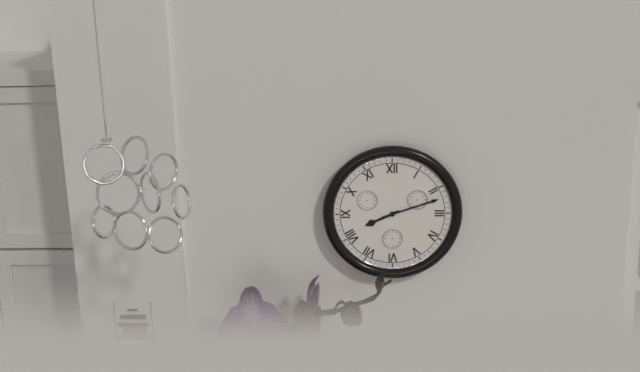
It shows 8,12
